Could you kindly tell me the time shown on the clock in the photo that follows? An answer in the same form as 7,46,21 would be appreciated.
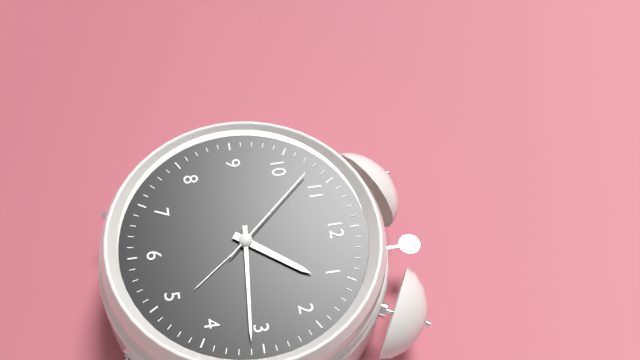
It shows 1,16,53
